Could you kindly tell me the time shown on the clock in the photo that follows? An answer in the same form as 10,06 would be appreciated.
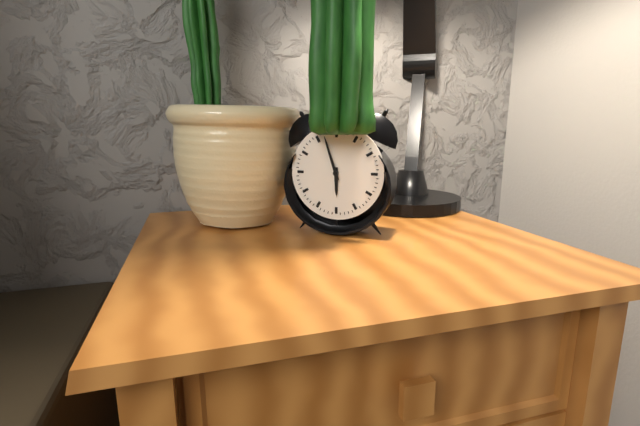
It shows 5,57
